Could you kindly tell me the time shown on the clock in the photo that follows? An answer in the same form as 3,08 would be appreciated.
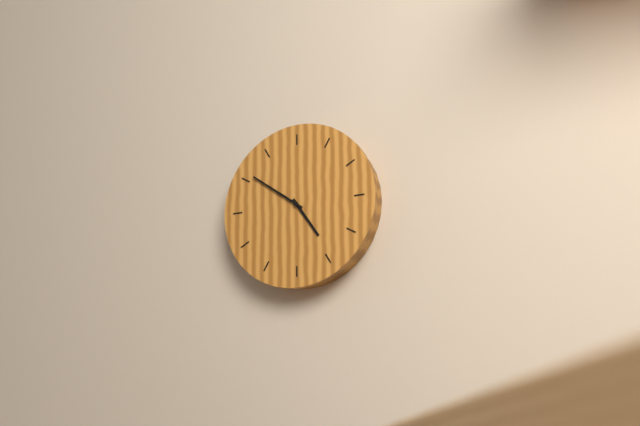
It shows 4,51
